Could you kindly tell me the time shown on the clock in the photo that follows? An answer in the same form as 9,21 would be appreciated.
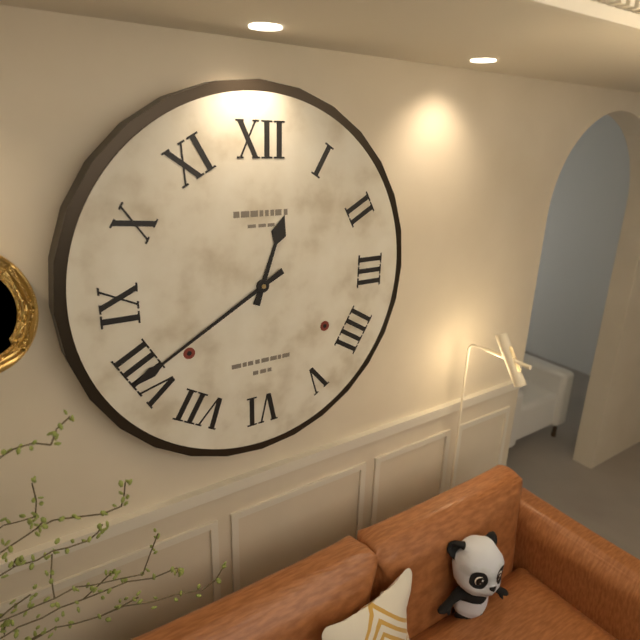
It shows 12,40
